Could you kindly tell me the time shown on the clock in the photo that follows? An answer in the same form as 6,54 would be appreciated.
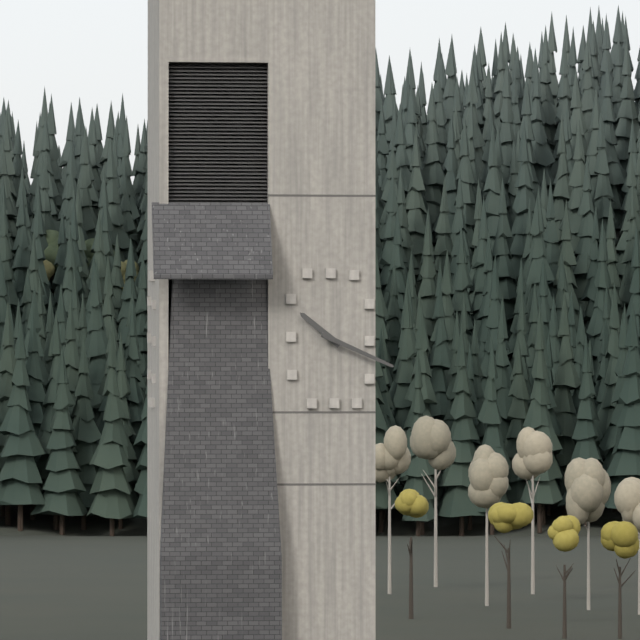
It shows 10,19
